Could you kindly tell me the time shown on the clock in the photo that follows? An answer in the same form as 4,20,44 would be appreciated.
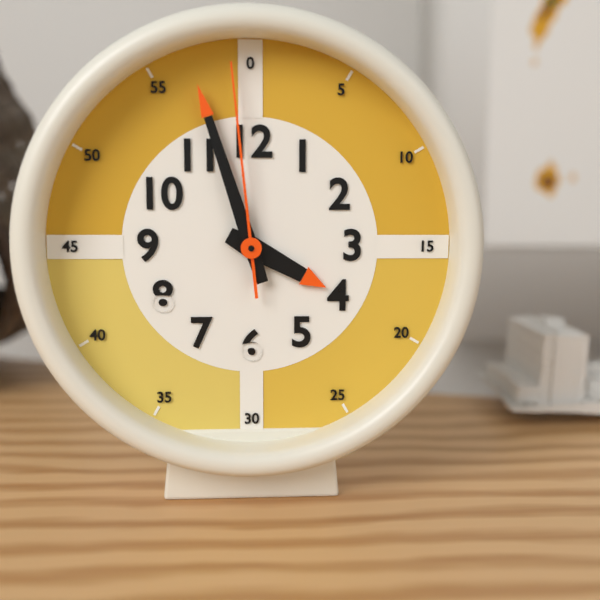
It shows 3,57,59
